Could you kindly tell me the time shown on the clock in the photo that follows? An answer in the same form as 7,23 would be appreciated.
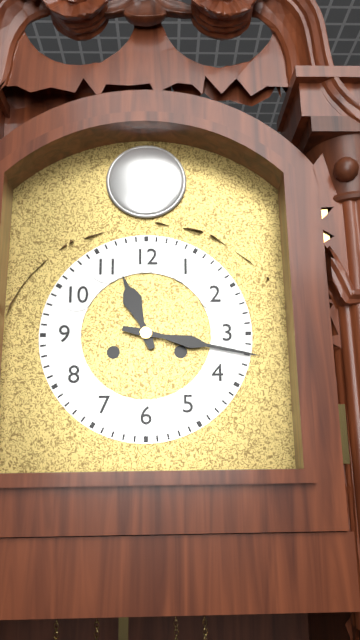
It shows 11,17
